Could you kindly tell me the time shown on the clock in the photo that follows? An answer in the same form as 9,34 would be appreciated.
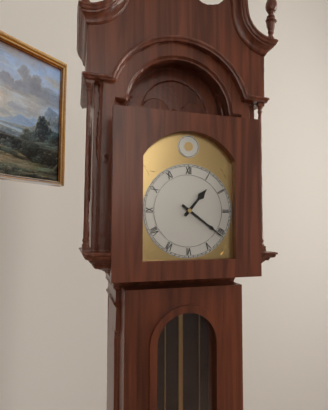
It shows 1,21
